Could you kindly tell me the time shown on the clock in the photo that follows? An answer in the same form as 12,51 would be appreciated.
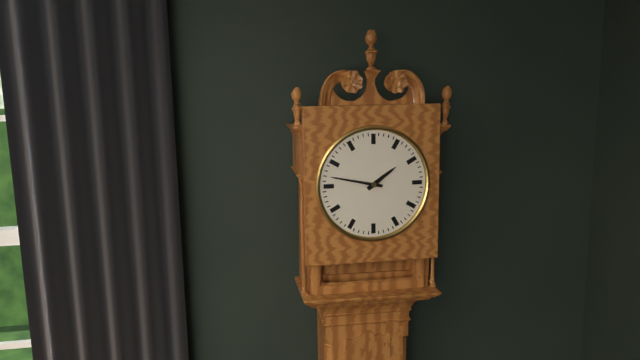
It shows 1,47
